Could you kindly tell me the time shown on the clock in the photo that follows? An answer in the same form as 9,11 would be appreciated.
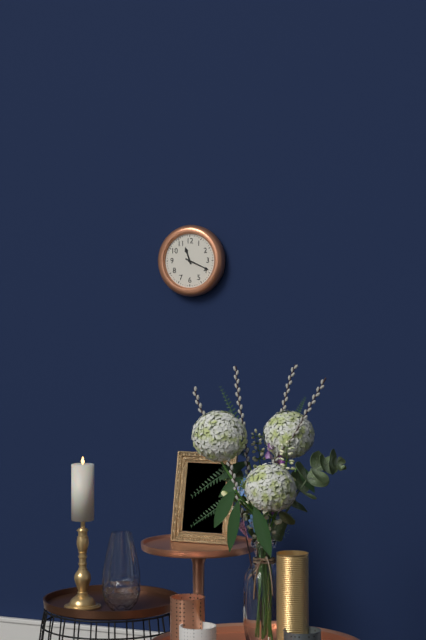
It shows 11,19
